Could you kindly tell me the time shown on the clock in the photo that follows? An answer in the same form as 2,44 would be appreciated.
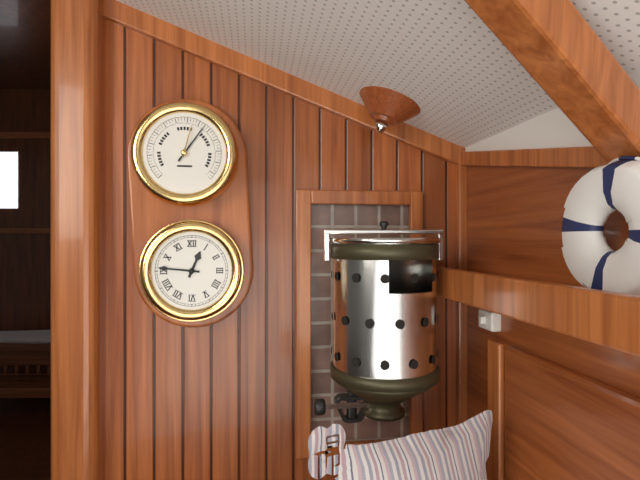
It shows 12,46
